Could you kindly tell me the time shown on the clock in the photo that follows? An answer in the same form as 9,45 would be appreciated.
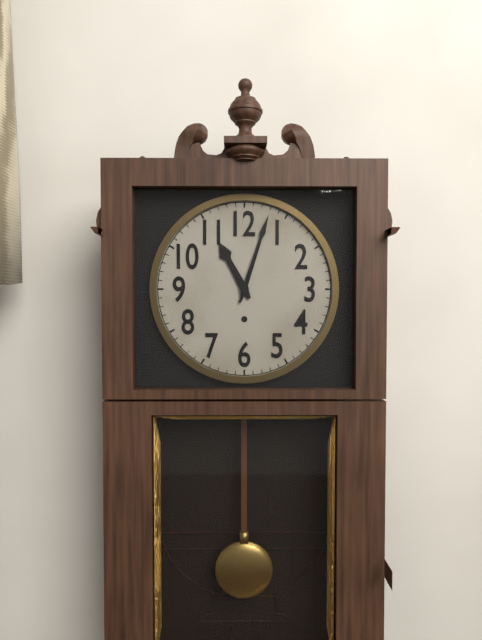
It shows 11,03
